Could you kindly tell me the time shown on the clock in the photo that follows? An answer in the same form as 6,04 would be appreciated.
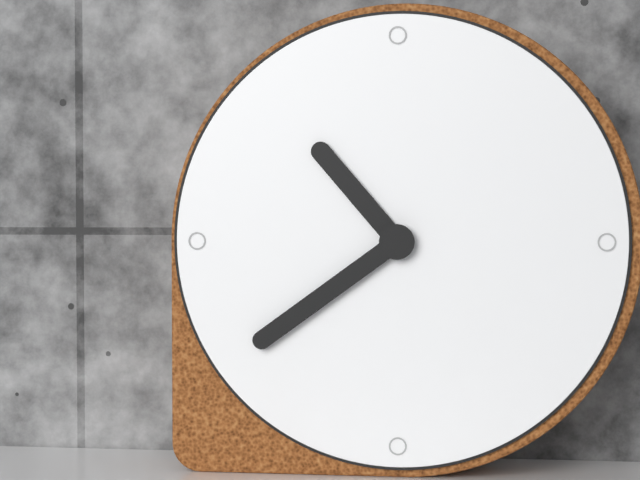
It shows 10,39
